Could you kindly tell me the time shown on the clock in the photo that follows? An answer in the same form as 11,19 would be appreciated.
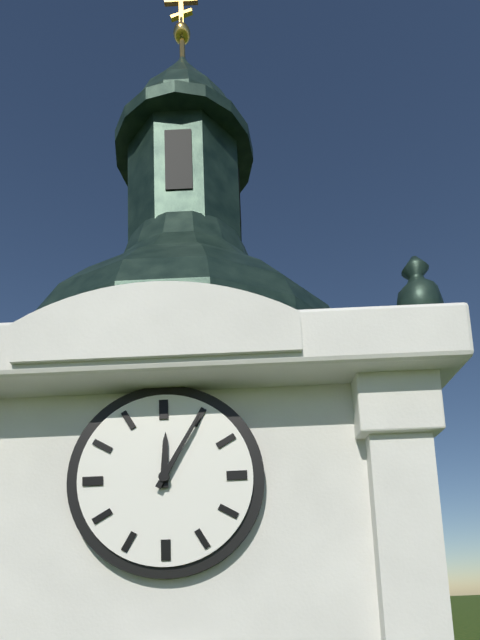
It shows 12,05
